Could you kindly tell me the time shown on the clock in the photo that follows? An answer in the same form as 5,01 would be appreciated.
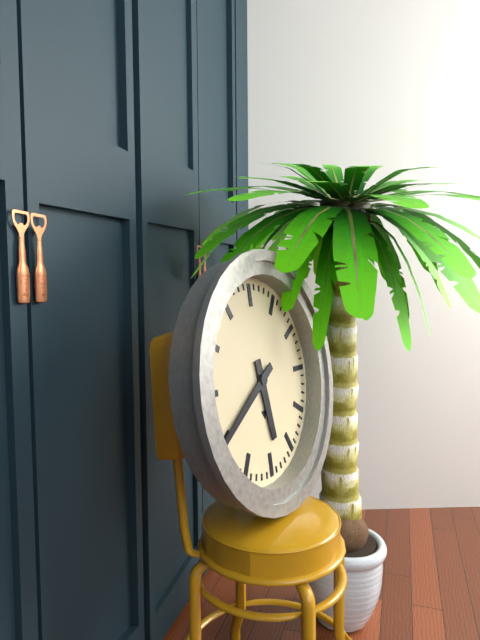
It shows 5,40
